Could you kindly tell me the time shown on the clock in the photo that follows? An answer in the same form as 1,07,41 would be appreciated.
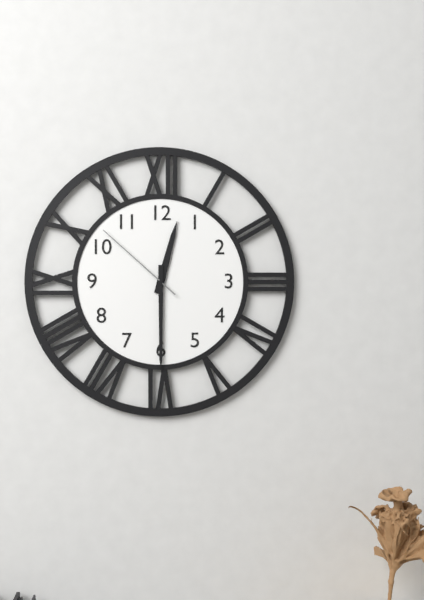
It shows 12,30,52
